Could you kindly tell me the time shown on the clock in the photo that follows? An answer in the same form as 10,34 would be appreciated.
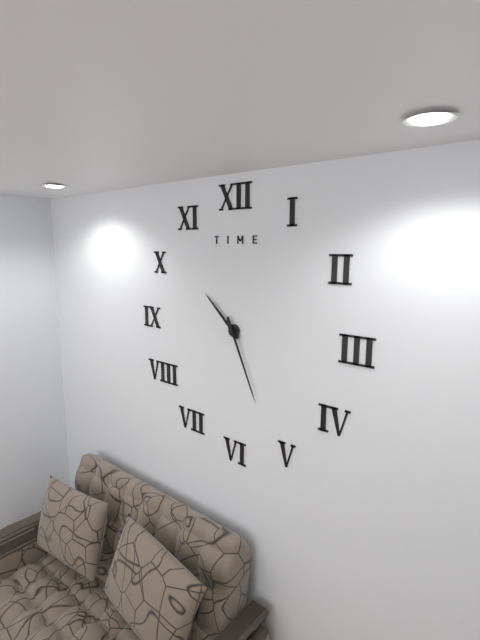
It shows 10,26
